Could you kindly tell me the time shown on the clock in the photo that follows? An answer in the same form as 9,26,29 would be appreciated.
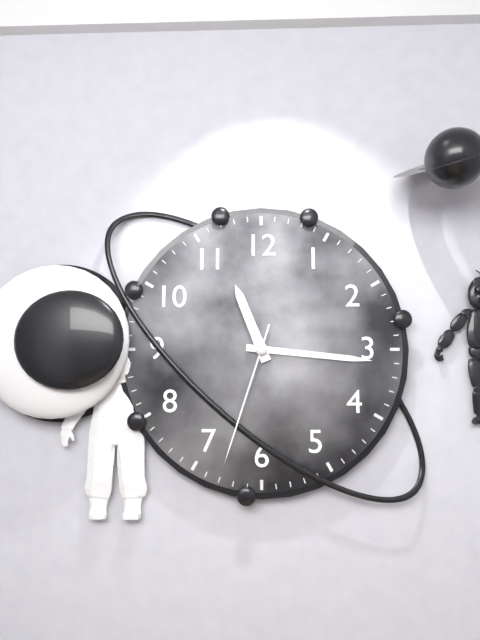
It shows 11,16,33
